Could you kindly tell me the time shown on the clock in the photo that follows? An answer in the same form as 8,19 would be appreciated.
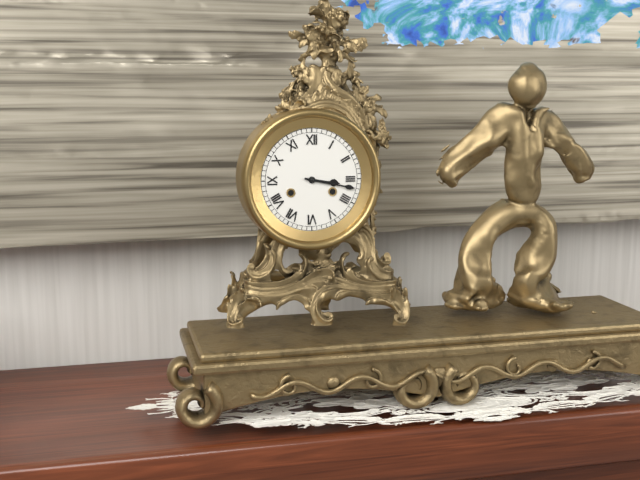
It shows 3,17
